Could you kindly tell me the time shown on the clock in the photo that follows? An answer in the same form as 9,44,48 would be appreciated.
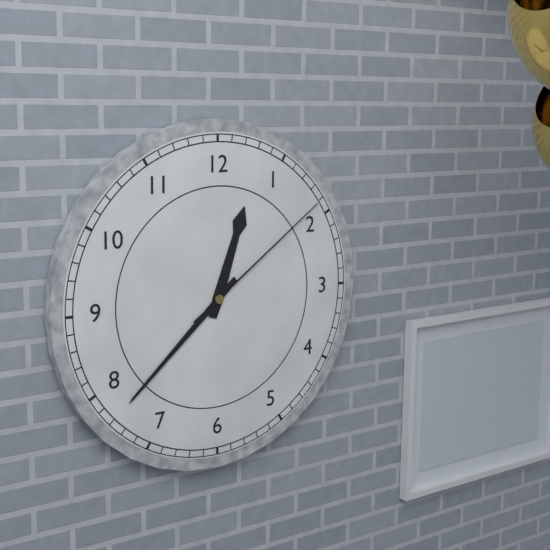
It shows 12,38,09
